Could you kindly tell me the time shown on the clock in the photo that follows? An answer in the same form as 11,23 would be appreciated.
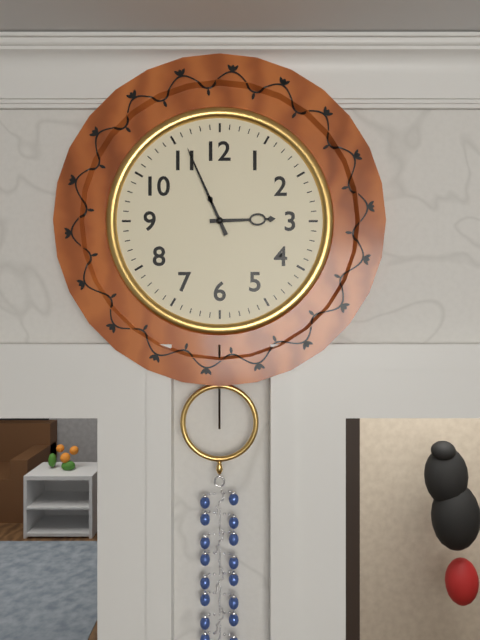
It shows 2,56
